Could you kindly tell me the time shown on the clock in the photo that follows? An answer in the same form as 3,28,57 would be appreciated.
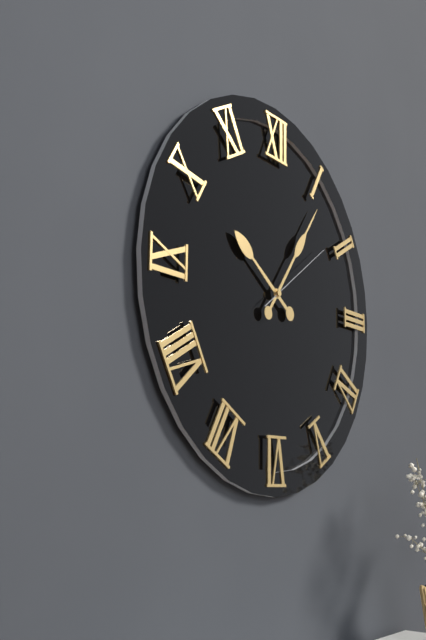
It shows 10,06,09
